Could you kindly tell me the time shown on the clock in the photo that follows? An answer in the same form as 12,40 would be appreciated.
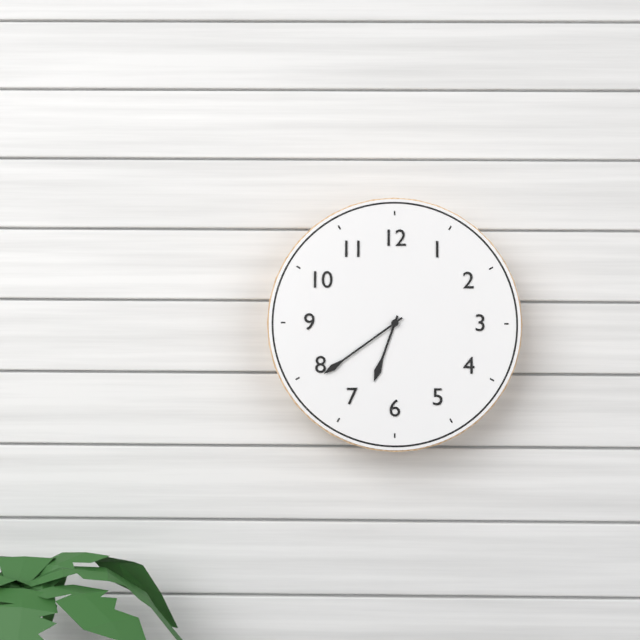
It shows 6,39
